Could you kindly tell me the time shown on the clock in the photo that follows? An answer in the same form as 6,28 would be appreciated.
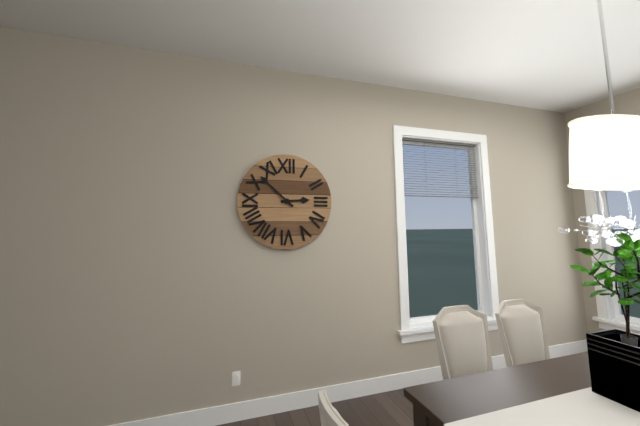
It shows 2,52
